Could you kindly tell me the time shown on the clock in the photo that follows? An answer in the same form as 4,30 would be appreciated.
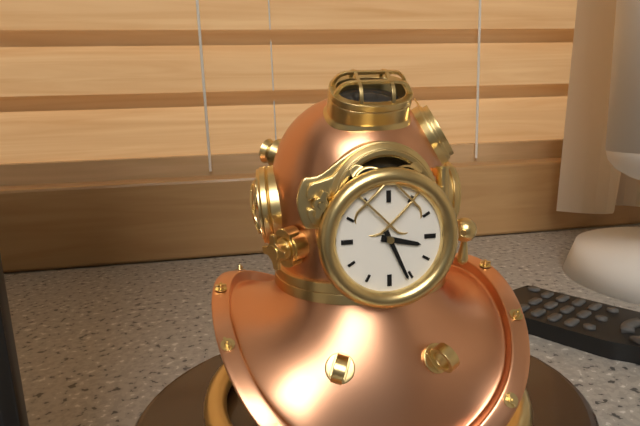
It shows 3,26
